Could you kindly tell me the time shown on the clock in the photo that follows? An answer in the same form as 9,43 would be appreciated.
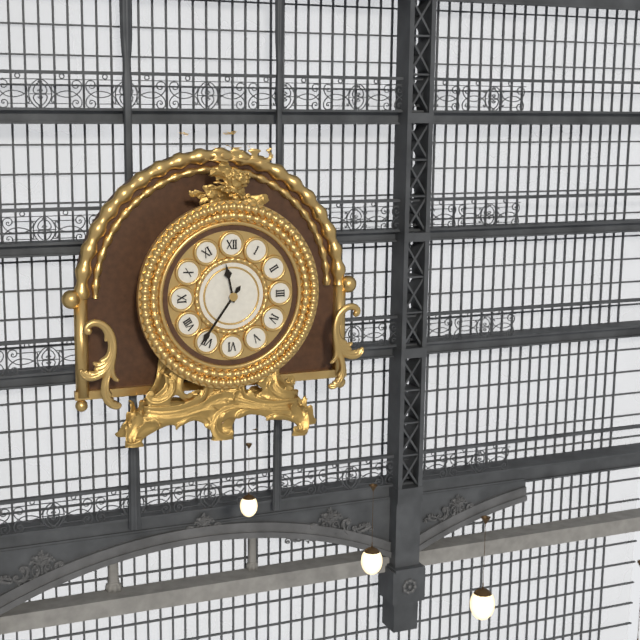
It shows 11,36
